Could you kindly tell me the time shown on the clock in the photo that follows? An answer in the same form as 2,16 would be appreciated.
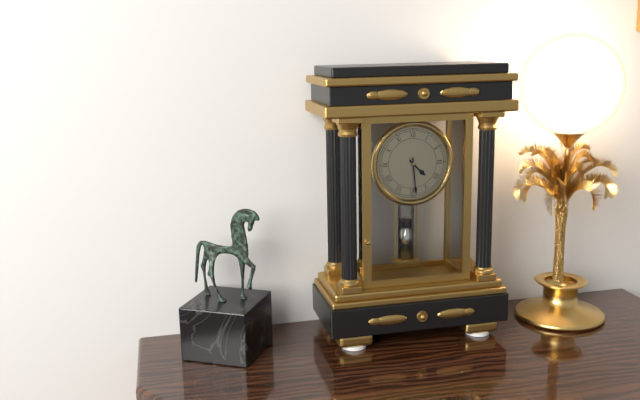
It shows 4,29
